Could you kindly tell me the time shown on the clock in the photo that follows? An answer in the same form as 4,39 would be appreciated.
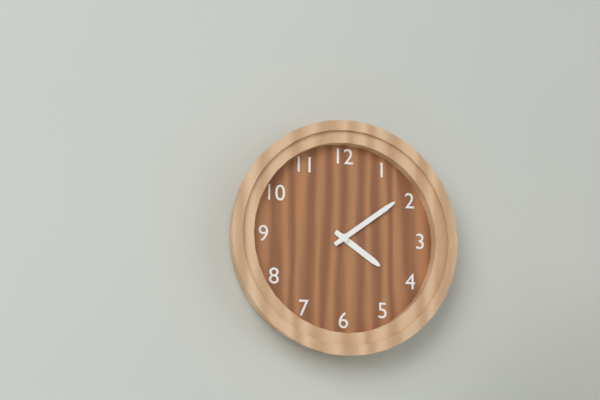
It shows 4,09
